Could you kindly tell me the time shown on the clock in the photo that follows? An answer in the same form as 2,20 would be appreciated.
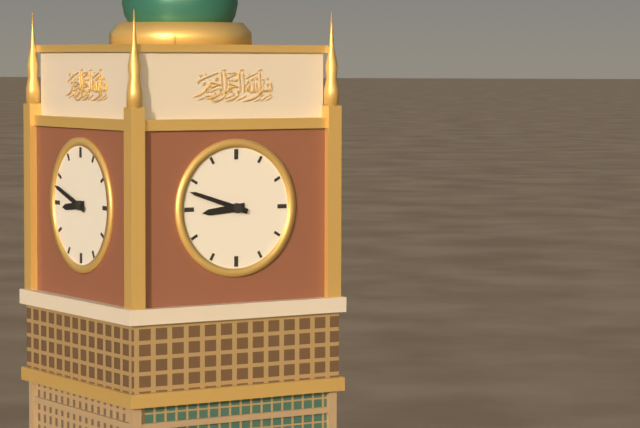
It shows 8,48
